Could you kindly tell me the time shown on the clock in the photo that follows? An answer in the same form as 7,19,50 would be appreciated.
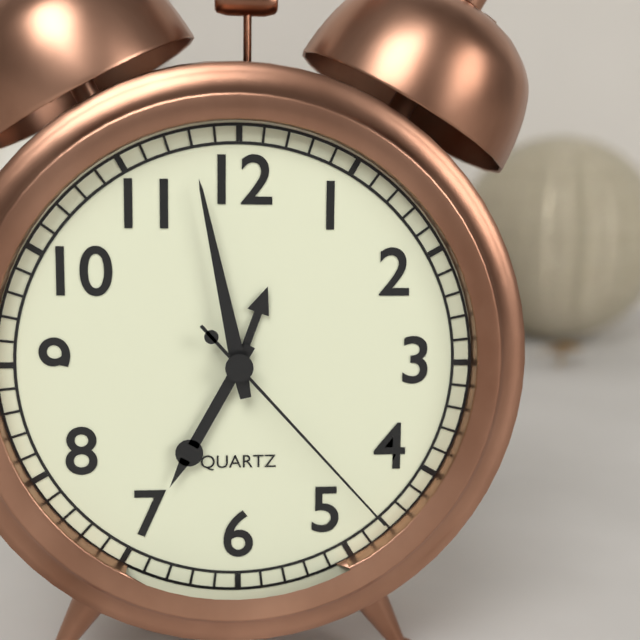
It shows 6,58,23
